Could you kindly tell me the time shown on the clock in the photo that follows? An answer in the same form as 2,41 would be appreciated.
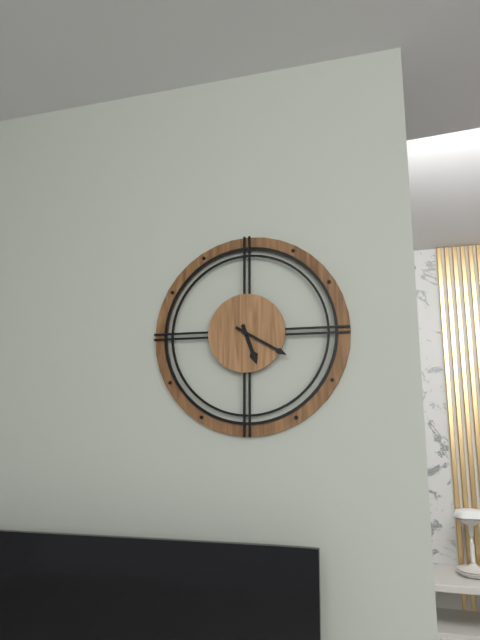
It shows 5,20
